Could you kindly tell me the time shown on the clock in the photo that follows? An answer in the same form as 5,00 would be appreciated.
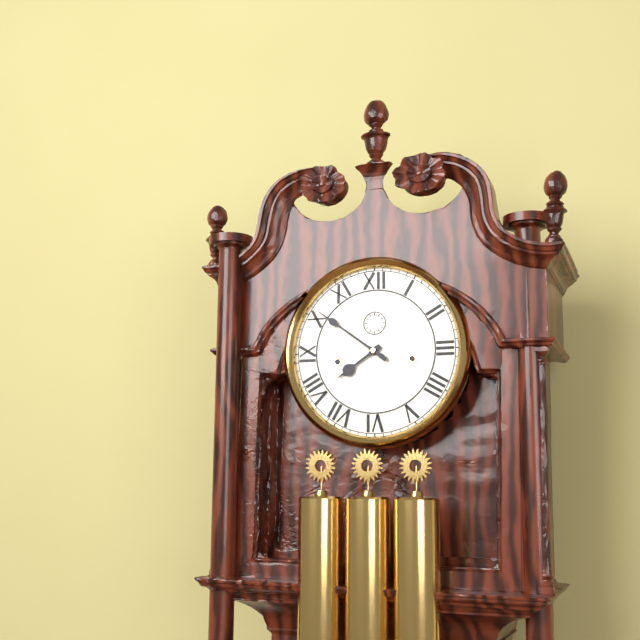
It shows 7,51
